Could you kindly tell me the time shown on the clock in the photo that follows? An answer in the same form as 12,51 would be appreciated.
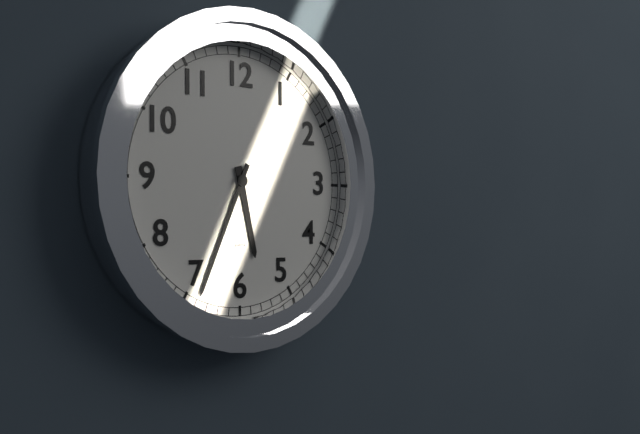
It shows 5,34
